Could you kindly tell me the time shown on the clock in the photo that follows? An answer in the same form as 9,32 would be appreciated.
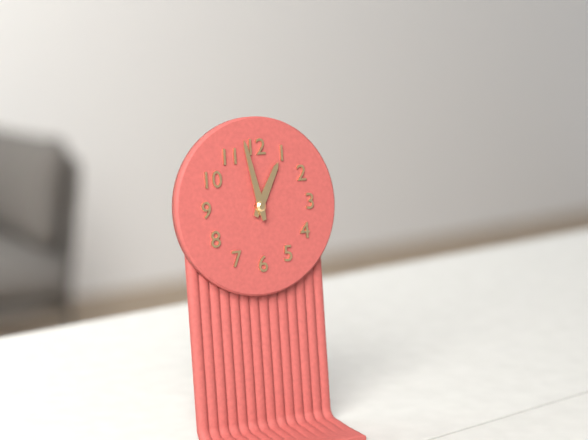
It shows 12,58
